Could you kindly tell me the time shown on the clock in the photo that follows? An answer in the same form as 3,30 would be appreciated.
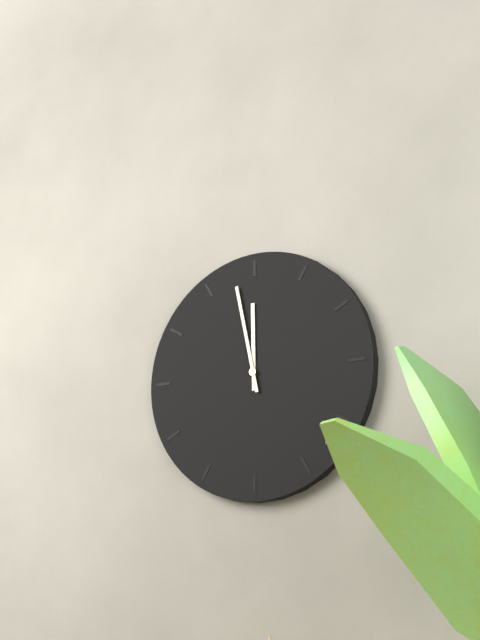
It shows 11,58
